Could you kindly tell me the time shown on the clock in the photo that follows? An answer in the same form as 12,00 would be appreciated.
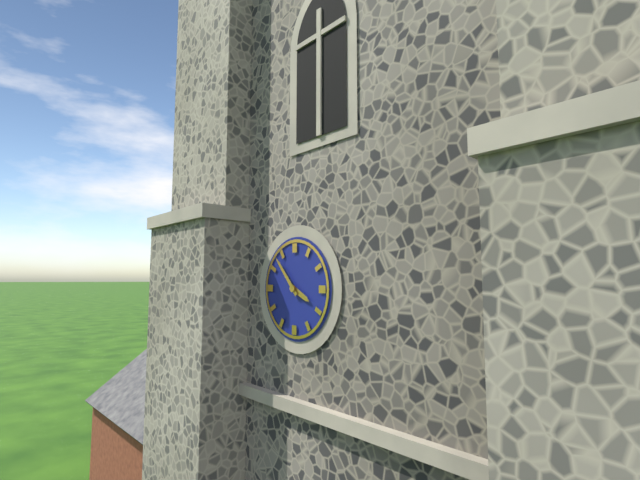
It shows 3,53
